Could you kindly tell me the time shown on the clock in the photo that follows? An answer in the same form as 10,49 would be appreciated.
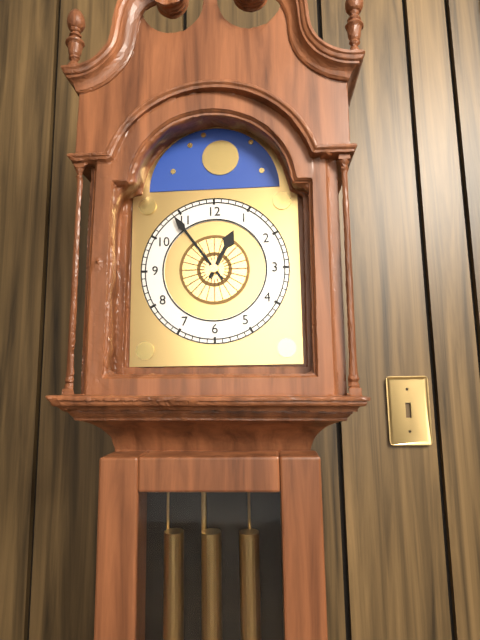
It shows 12,54
